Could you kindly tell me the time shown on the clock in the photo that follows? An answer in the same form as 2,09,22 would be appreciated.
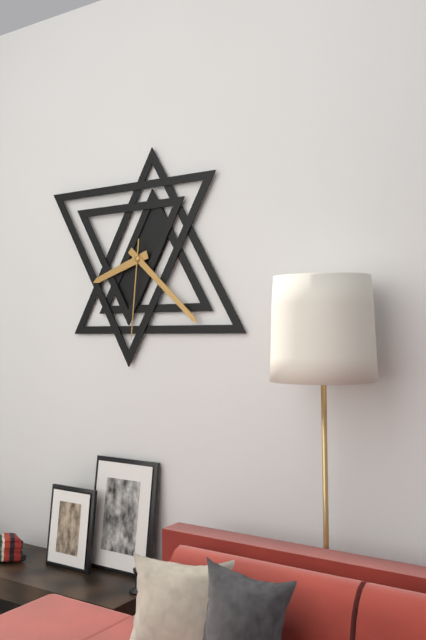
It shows 8,22,31
